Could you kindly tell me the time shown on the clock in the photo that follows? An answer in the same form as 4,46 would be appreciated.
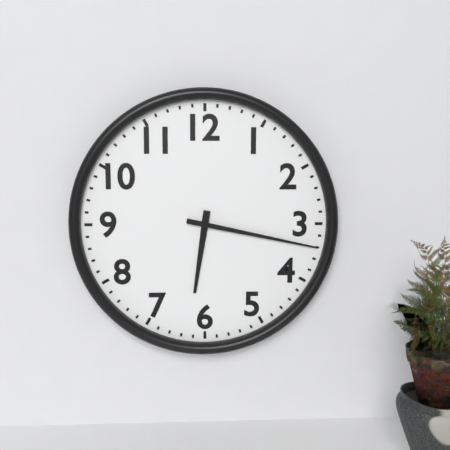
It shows 6,17
